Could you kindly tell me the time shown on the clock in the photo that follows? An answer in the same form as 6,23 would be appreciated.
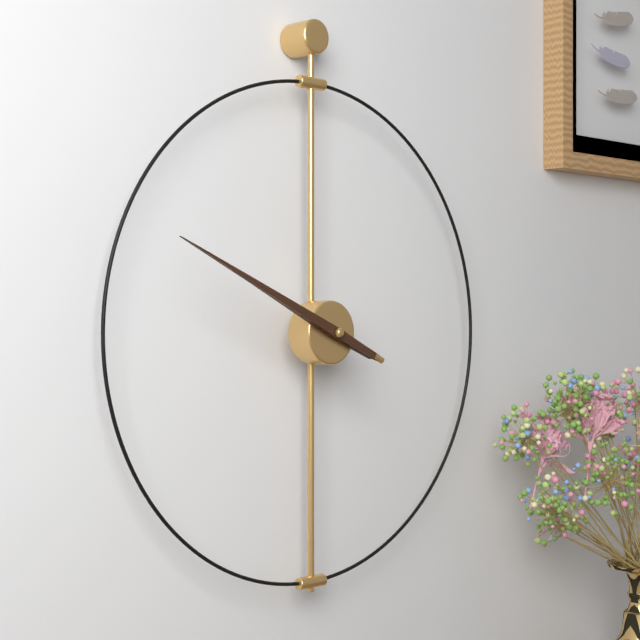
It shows 9,49
